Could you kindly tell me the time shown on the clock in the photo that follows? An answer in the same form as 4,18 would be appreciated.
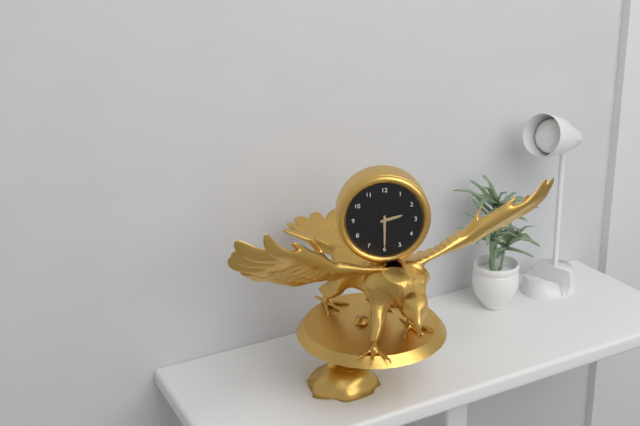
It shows 2,30
